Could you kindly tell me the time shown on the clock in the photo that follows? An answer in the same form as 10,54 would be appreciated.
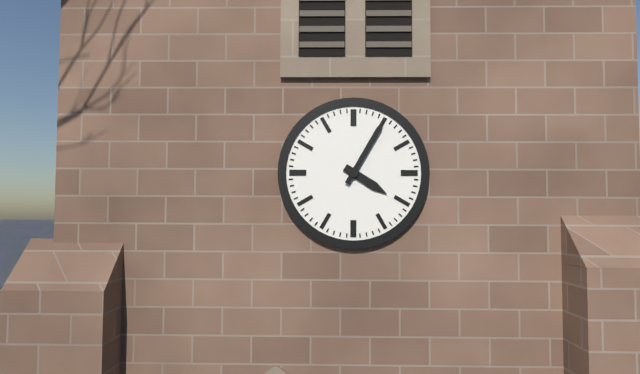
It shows 4,05
